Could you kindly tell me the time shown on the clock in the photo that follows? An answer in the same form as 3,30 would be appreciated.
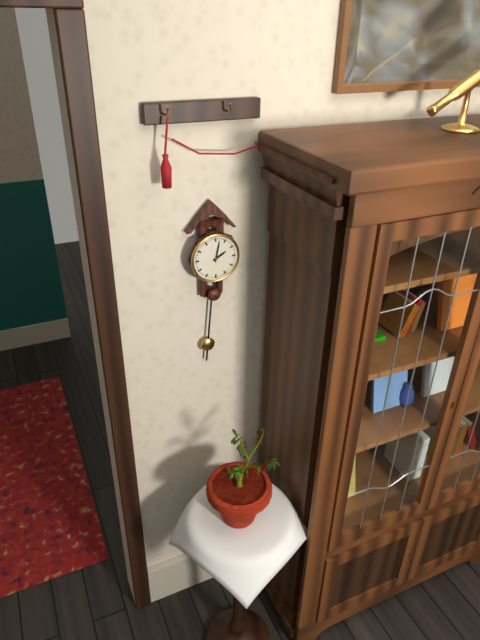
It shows 2,02
